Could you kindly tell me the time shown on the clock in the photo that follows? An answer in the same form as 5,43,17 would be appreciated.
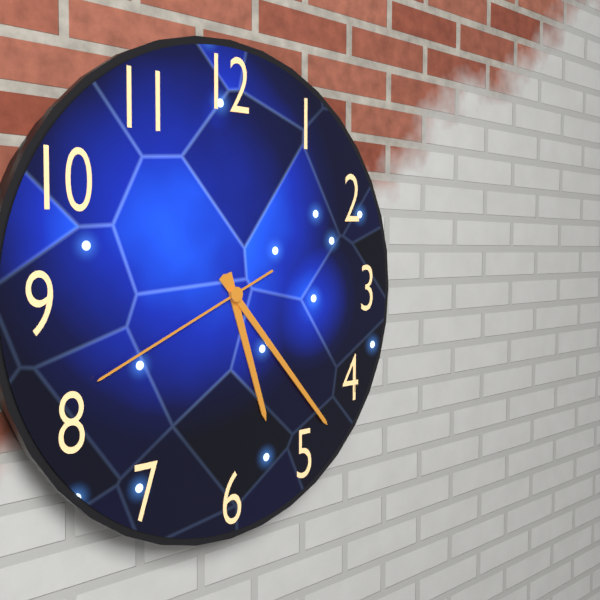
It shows 5,23,41
